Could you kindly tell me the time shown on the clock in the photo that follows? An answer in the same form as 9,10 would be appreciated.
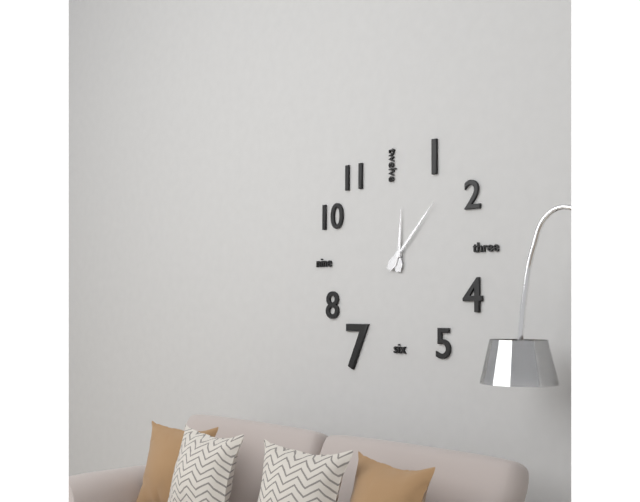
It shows 12,07
